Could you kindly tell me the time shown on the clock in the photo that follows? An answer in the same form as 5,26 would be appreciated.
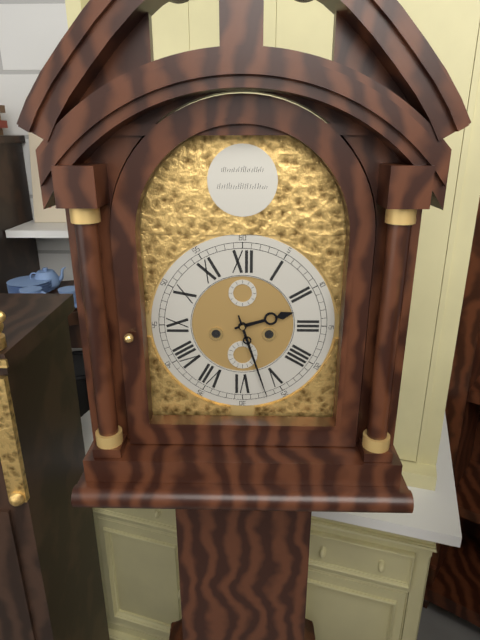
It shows 2,27
